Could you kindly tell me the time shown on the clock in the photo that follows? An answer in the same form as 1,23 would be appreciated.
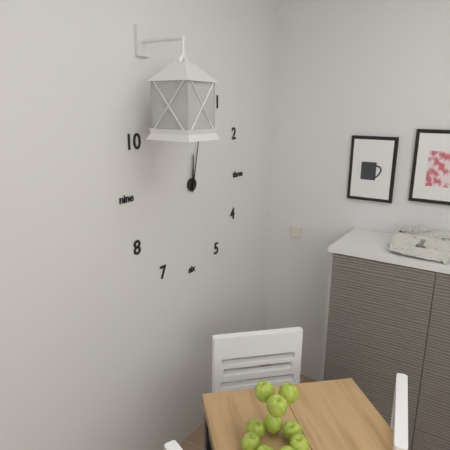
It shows 12,02
